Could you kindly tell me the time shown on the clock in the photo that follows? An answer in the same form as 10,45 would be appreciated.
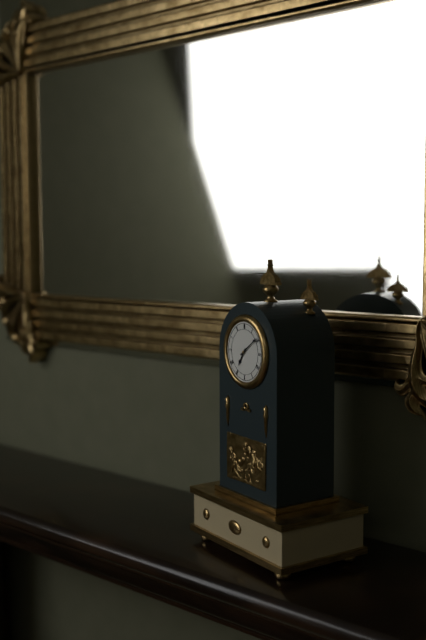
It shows 7,09
